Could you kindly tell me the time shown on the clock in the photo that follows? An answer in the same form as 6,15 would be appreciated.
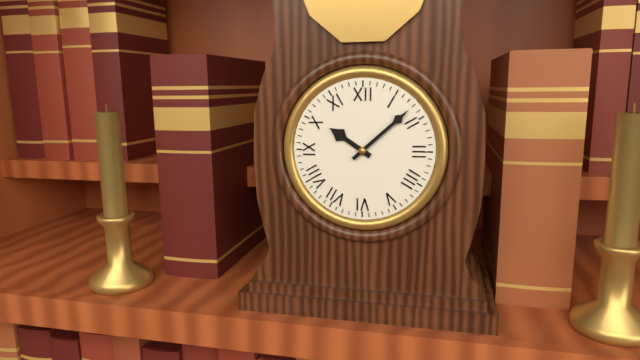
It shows 10,08
